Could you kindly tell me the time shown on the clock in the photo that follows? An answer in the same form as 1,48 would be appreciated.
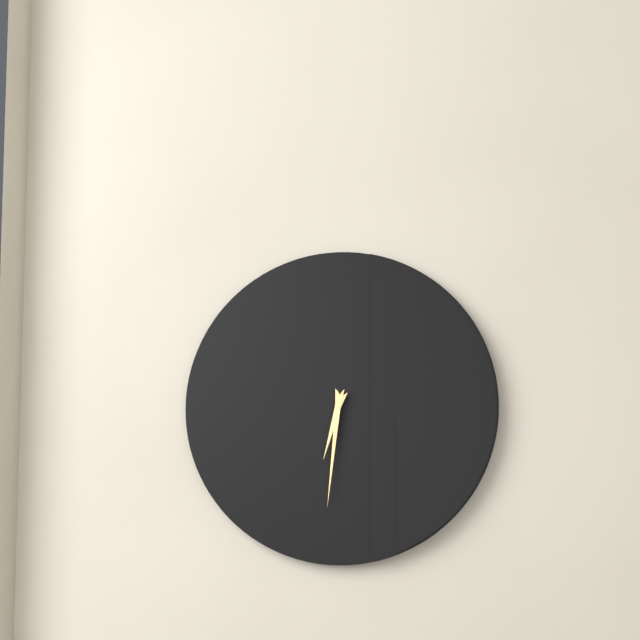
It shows 6,31
